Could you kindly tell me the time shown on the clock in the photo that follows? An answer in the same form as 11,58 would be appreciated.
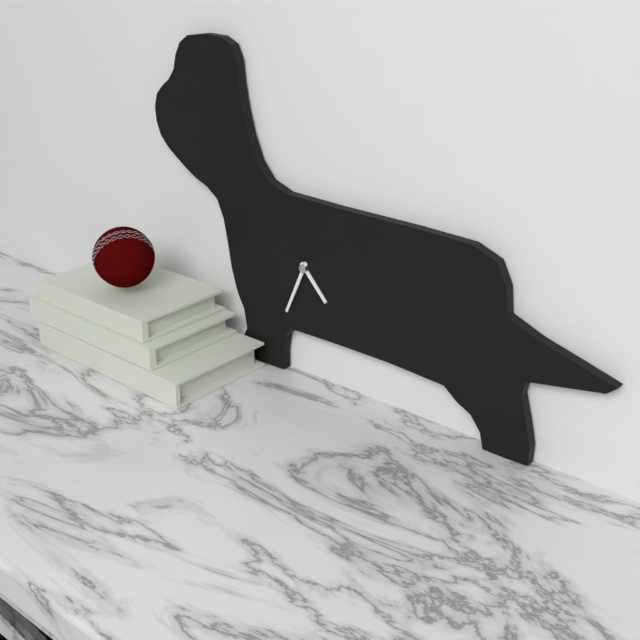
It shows 4,34
